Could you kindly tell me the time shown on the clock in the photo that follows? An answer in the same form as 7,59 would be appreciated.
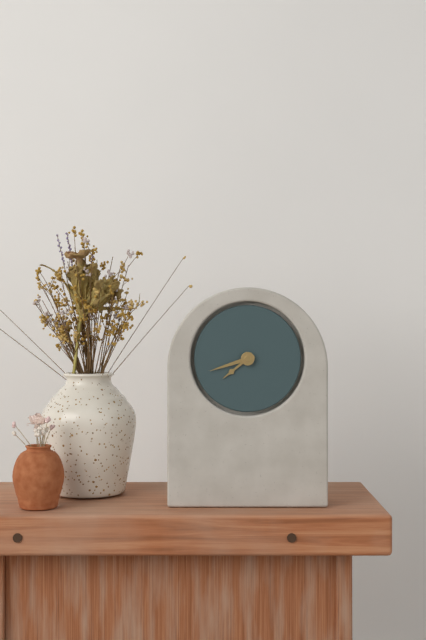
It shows 7,42
